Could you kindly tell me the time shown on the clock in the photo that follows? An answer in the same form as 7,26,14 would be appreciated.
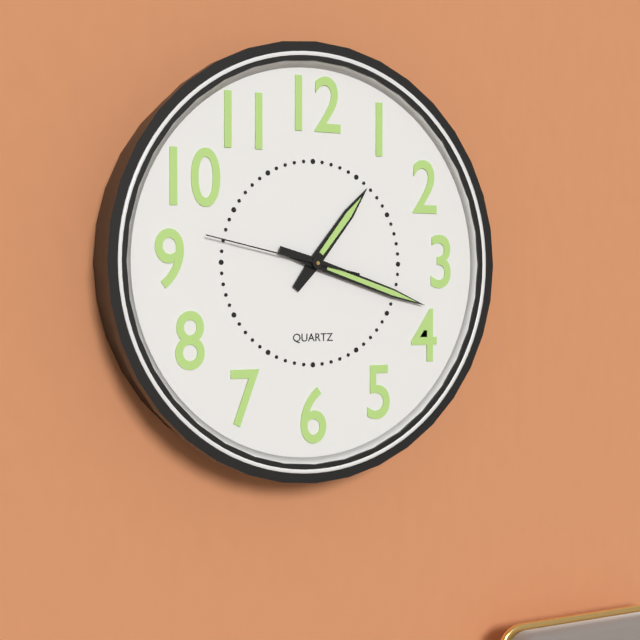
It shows 1,18,47
